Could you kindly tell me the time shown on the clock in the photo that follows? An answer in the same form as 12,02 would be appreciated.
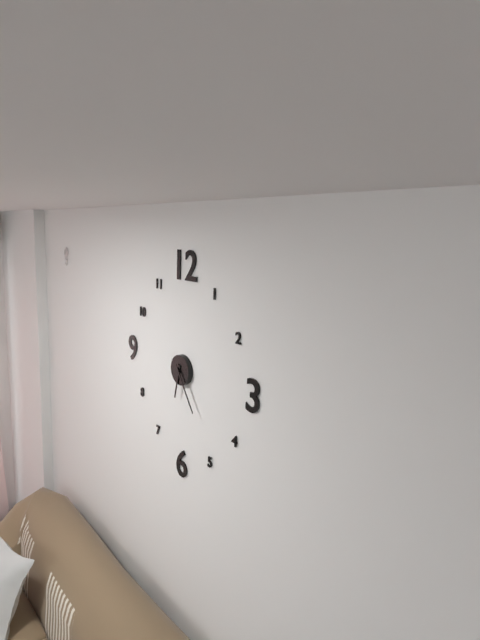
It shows 6,24
